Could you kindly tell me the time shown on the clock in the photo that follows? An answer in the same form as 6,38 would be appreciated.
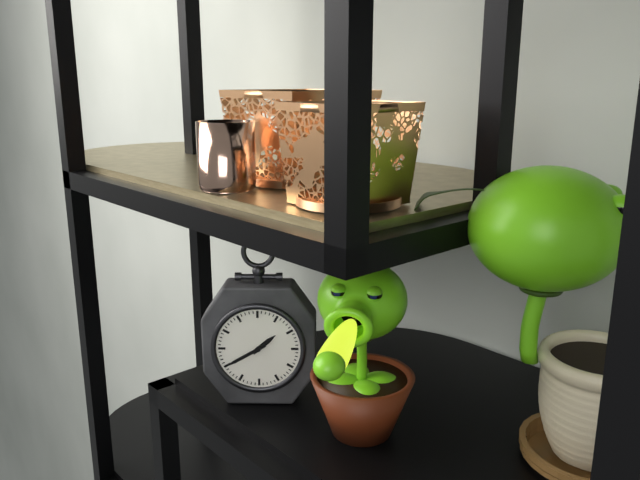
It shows 1,40
